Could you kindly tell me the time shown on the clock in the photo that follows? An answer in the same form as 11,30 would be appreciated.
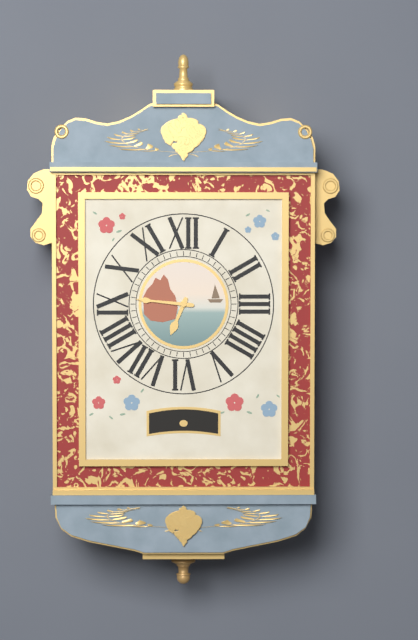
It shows 6,46
